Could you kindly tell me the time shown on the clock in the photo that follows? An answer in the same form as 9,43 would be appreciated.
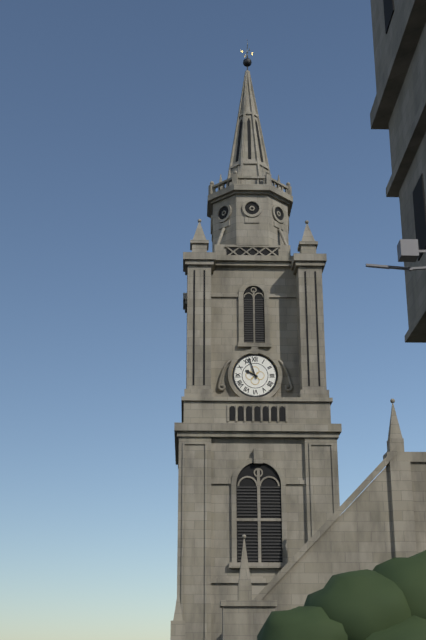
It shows 9,57
